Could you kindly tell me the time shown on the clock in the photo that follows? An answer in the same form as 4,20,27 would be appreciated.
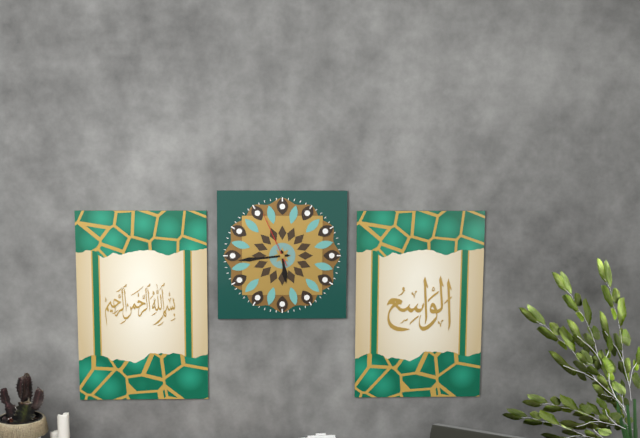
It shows 5,44,56
